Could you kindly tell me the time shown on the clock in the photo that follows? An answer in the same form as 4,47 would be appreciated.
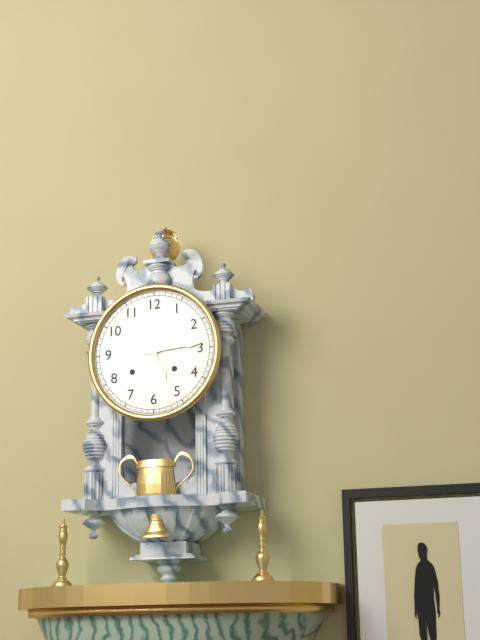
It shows 5,14
